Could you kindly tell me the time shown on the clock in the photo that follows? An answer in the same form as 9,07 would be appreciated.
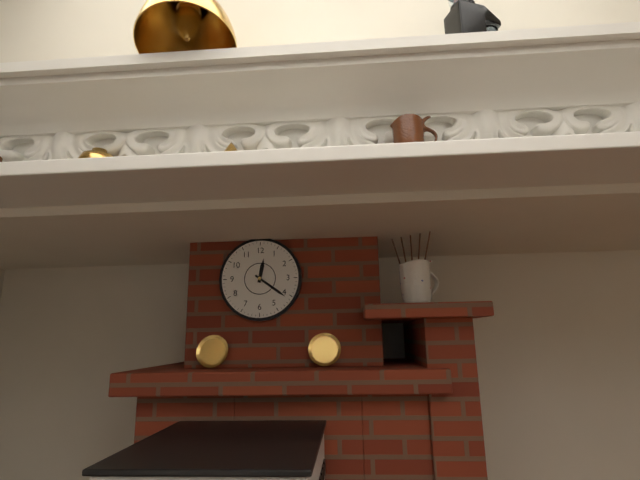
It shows 12,21
